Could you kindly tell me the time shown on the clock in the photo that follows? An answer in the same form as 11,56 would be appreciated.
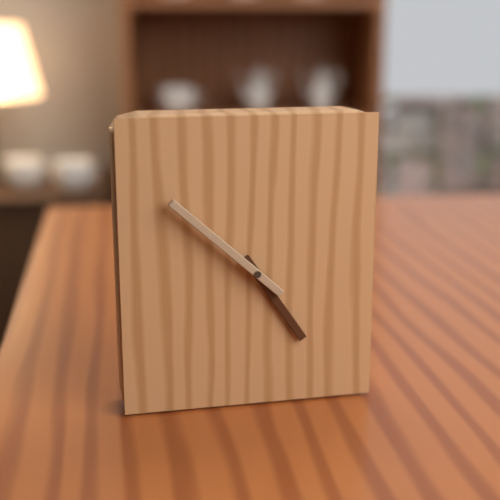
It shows 4,52
